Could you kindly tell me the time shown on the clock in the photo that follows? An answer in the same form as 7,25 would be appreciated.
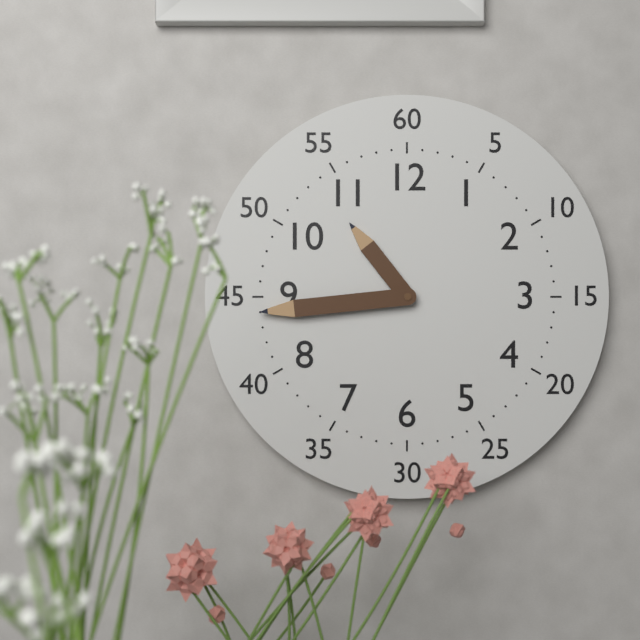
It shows 10,44
